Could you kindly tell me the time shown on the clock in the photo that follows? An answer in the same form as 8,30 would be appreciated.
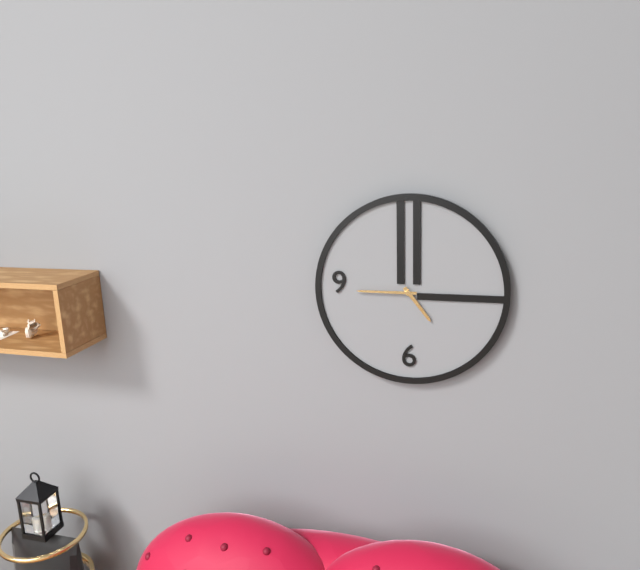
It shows 4,45
